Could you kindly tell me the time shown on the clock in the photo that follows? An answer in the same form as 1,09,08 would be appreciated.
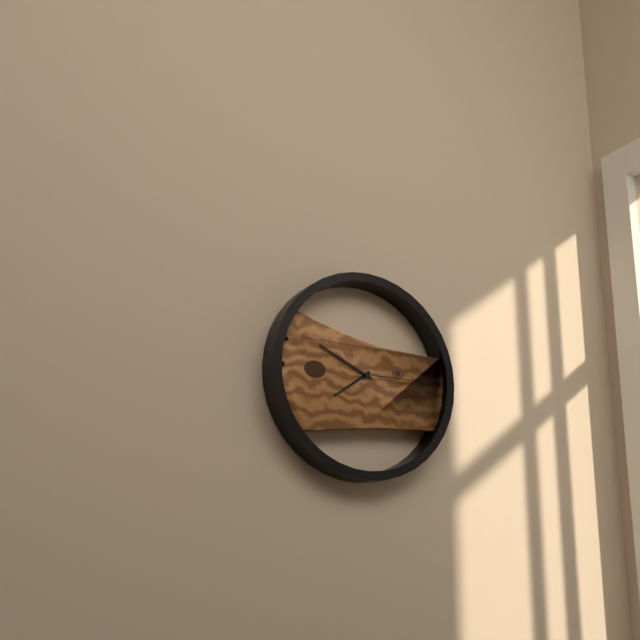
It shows 7,49,15
